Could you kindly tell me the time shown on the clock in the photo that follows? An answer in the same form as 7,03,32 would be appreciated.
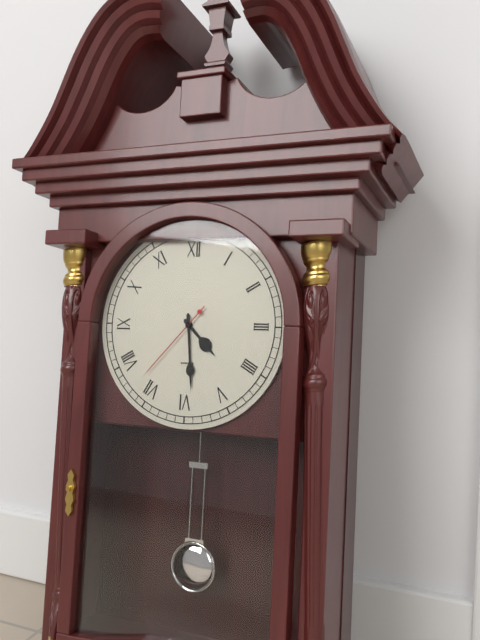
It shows 4,29,37
